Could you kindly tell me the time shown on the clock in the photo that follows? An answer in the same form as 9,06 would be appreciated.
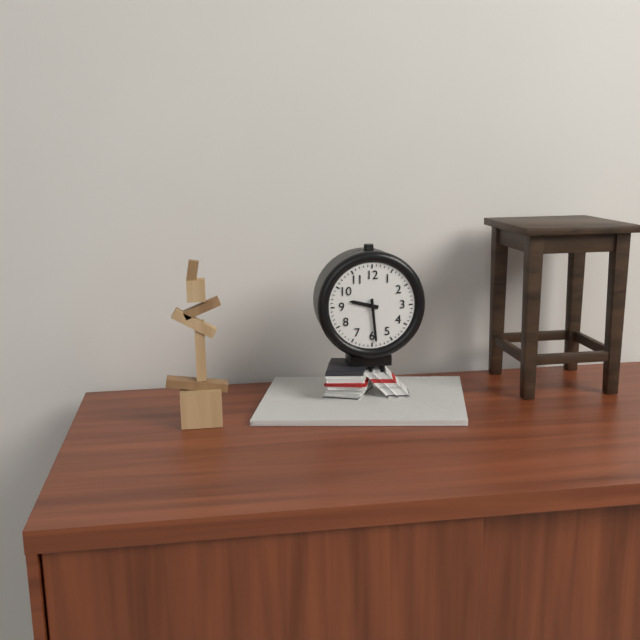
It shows 9,29
